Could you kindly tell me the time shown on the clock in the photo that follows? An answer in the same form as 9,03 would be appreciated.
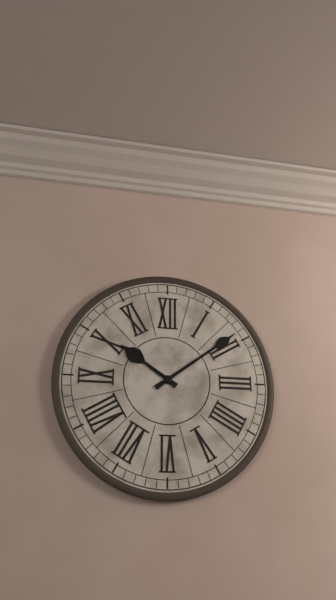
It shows 10,09
